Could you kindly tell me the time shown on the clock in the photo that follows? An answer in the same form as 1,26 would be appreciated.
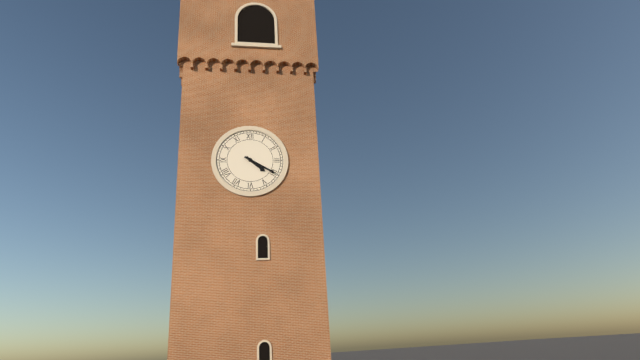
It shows 4,20
